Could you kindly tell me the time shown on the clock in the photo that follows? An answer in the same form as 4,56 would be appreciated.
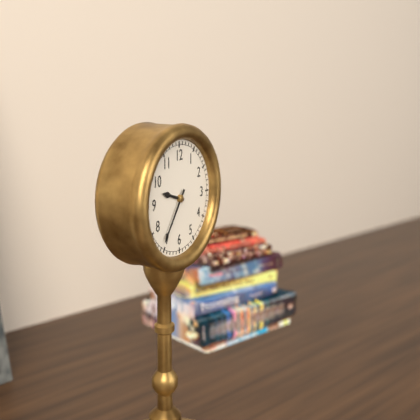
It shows 9,36
